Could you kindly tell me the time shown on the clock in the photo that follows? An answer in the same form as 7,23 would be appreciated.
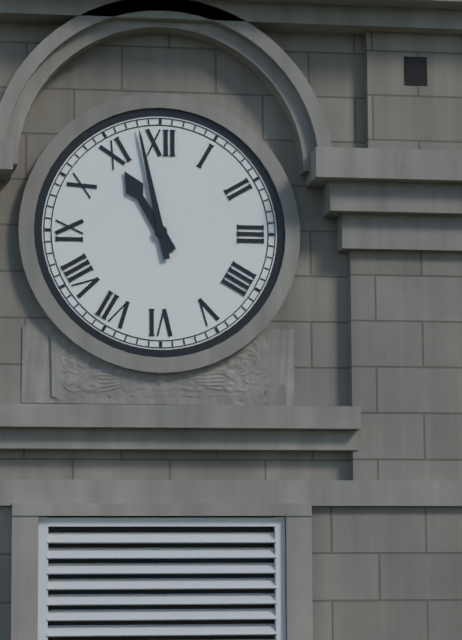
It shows 10,58
